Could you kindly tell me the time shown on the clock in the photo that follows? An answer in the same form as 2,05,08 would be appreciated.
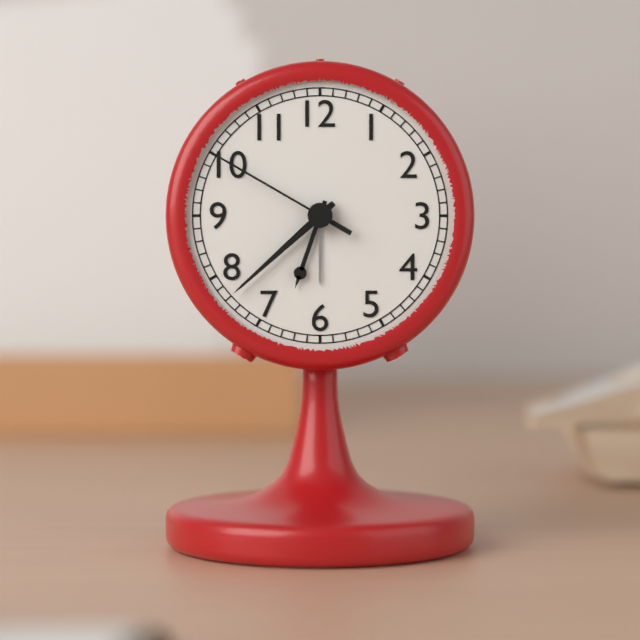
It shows 6,38,50
